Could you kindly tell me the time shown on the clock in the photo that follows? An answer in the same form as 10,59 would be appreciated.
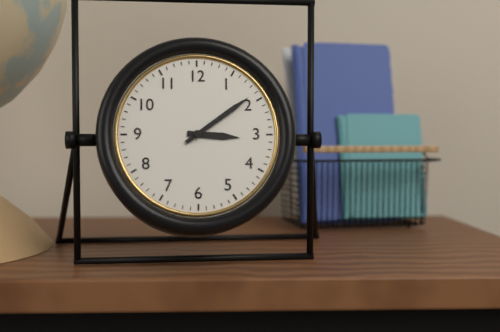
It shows 3,09
